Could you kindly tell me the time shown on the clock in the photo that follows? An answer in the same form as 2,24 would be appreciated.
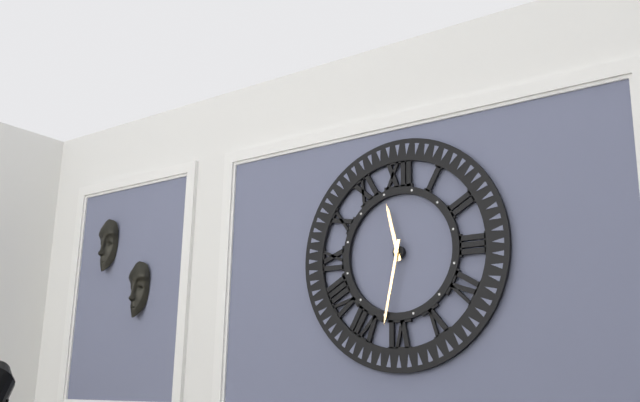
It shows 11,32
